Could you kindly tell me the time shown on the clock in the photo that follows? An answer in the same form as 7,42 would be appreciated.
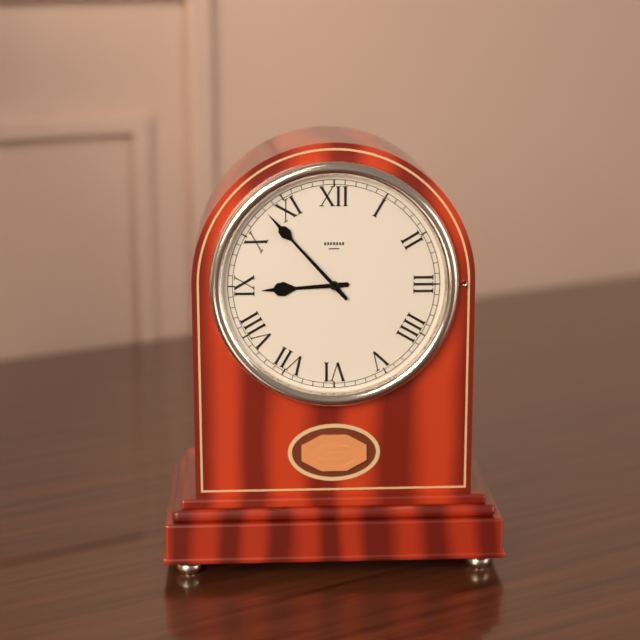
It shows 8,53
